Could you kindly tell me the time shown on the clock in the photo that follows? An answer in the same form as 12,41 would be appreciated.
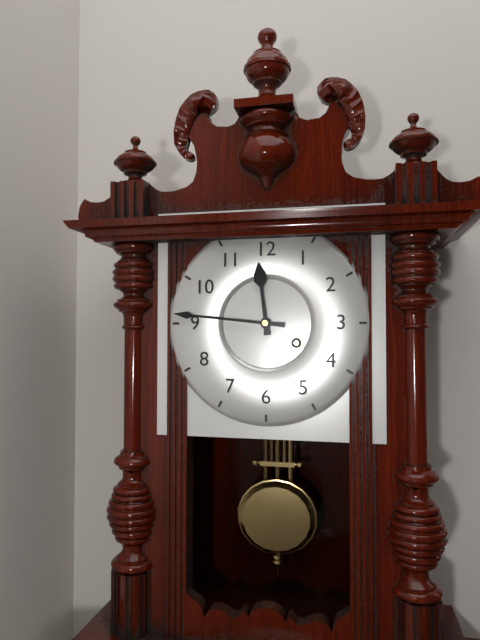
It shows 11,46
